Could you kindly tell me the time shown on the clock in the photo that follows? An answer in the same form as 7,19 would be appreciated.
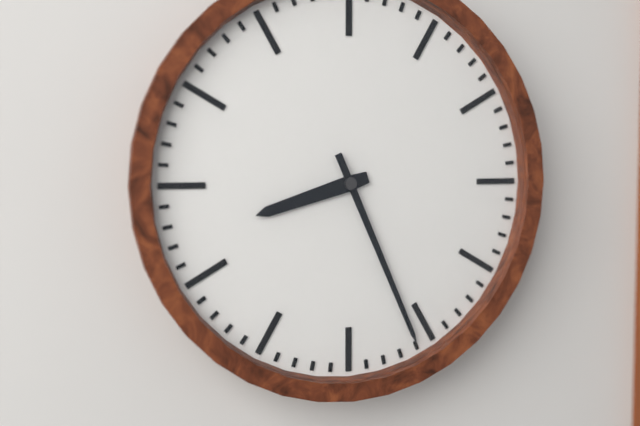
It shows 8,26
